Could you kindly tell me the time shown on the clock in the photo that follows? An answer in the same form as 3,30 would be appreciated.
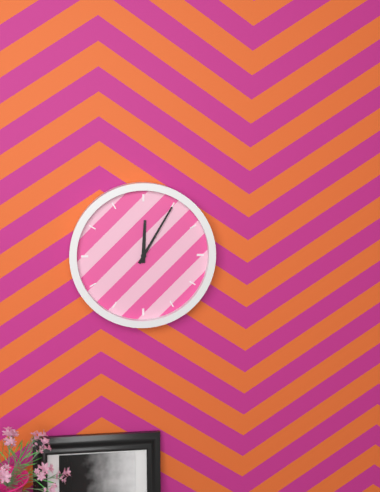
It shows 12,05
